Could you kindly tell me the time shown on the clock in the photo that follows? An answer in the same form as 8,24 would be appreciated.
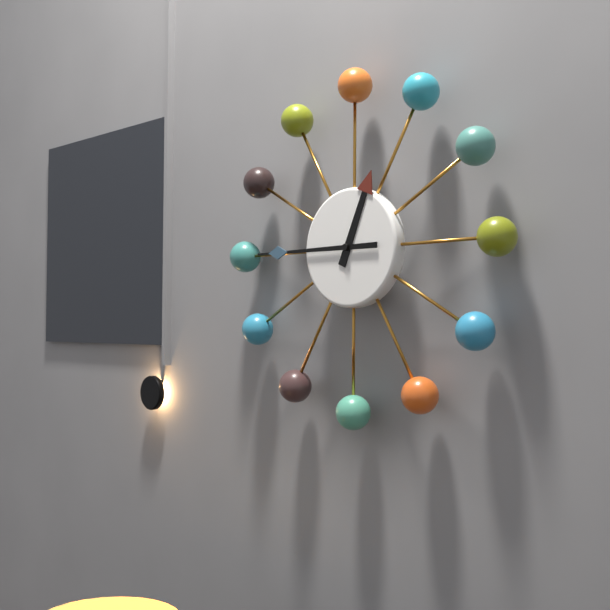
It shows 12,45
